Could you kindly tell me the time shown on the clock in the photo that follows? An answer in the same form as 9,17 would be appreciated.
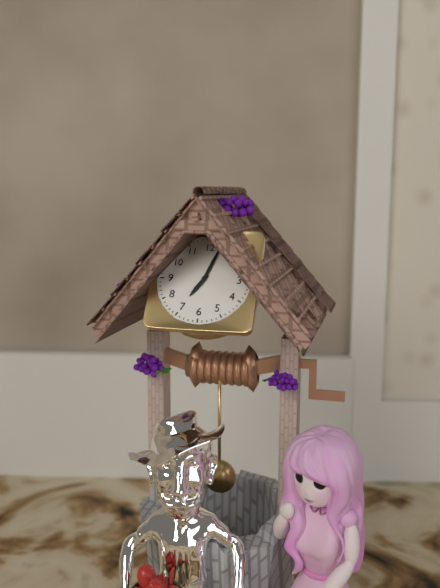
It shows 7,03
